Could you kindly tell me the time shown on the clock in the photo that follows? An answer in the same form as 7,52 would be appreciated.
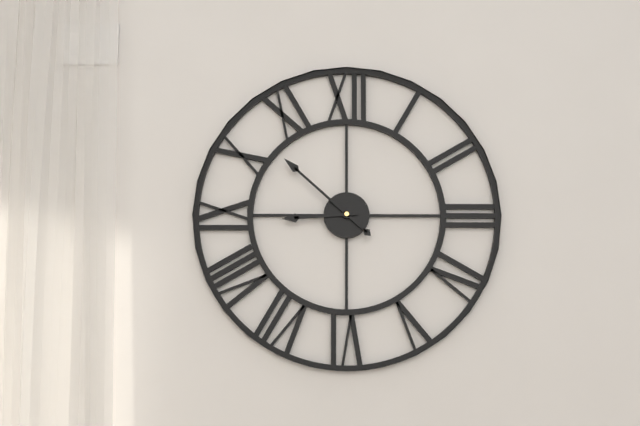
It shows 8,52
